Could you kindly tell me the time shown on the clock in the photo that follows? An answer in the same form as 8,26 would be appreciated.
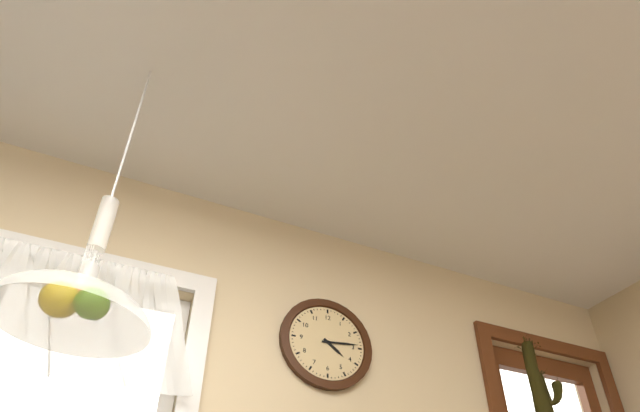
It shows 4,14
